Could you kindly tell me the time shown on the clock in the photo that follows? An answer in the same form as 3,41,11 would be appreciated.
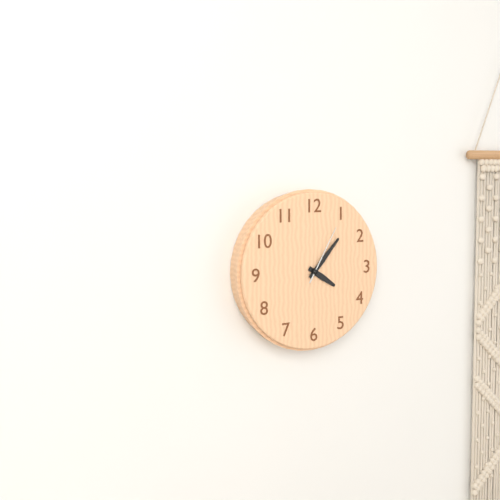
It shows 4,07,05
